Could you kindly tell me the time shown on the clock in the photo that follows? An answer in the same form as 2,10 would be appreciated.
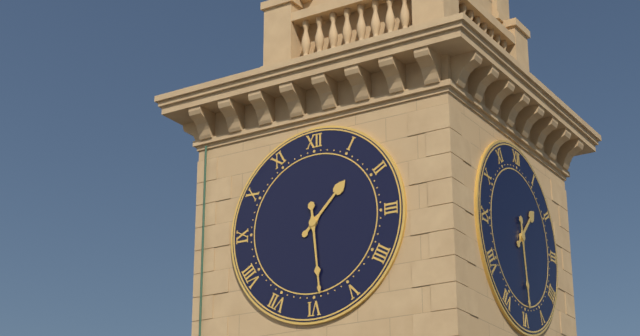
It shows 1,29
